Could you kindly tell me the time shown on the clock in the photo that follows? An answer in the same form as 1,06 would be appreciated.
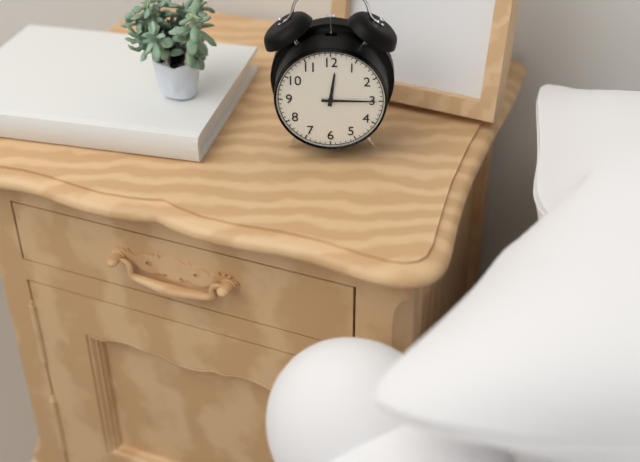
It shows 12,15
